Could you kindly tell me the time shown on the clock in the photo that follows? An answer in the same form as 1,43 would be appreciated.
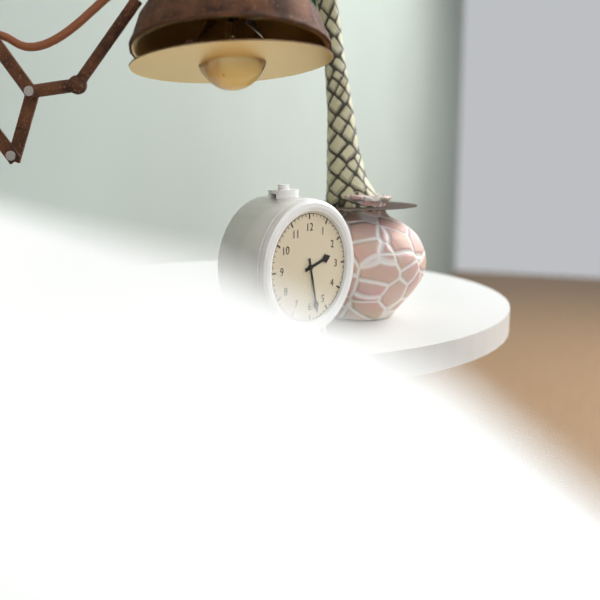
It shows 2,28
